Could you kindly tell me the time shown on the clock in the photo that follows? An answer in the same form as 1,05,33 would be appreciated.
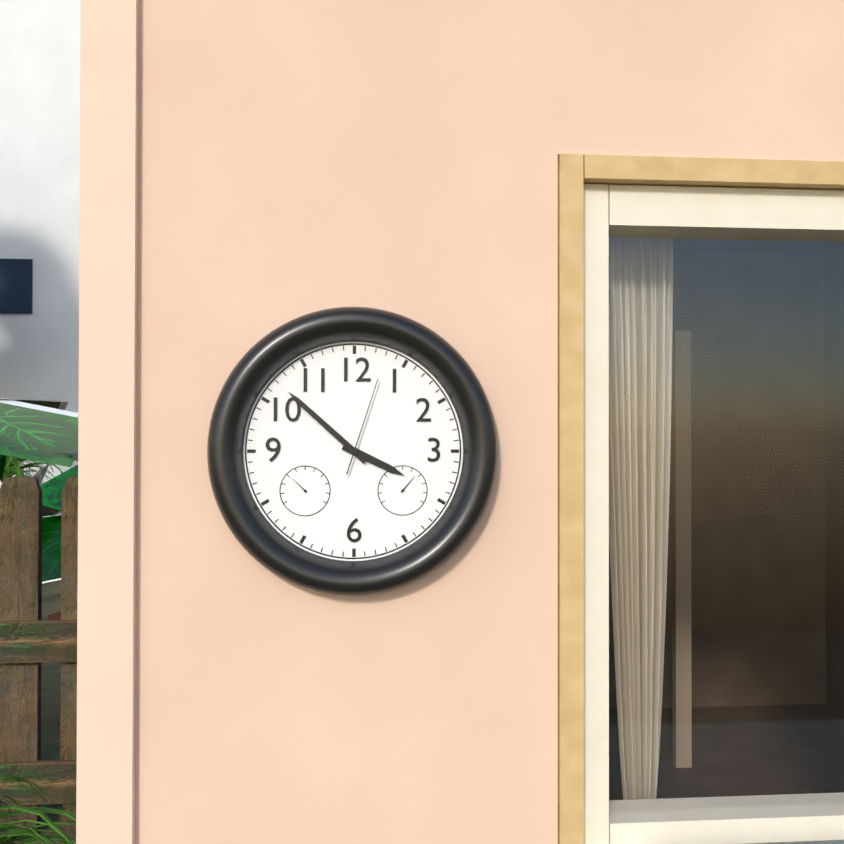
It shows 3,52,03
